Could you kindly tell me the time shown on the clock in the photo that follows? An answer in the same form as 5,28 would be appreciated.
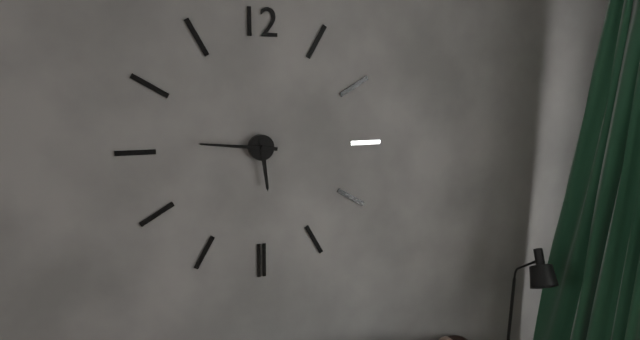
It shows 5,46
